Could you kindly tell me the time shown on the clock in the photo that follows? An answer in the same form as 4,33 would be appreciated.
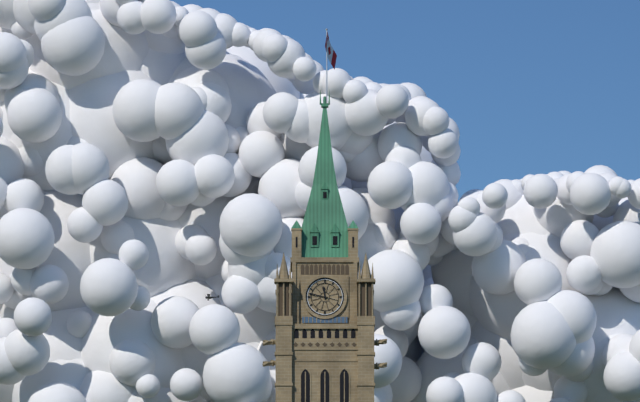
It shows 11,47
